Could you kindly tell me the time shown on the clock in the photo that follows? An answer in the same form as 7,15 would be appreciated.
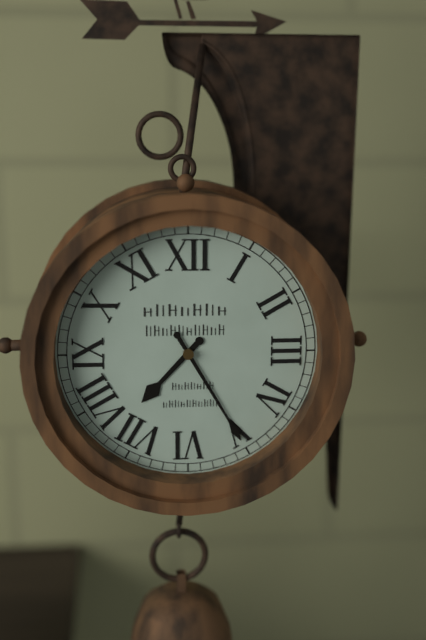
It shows 7,25
